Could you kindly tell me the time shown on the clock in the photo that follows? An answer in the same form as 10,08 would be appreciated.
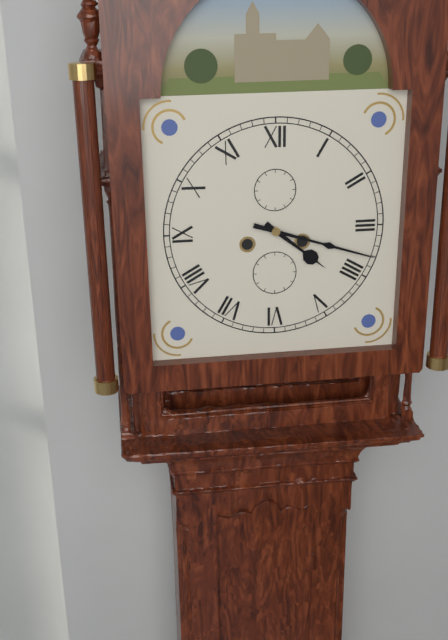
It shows 4,18
